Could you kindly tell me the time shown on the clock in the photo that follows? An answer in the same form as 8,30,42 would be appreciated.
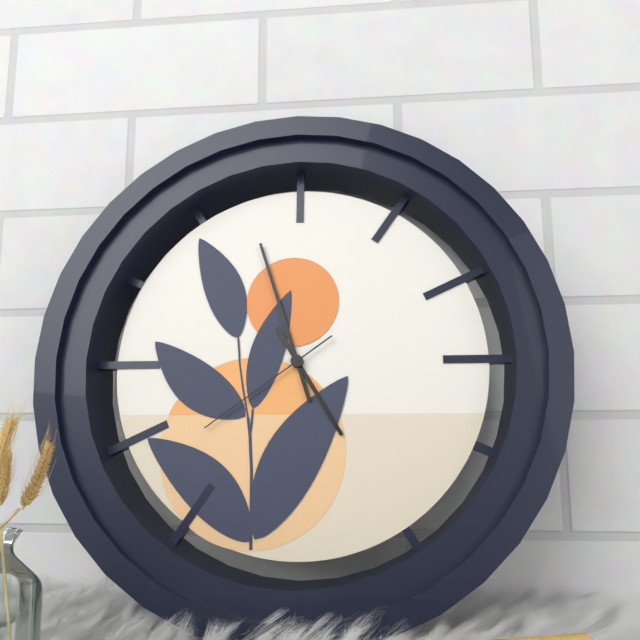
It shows 4,57,39
